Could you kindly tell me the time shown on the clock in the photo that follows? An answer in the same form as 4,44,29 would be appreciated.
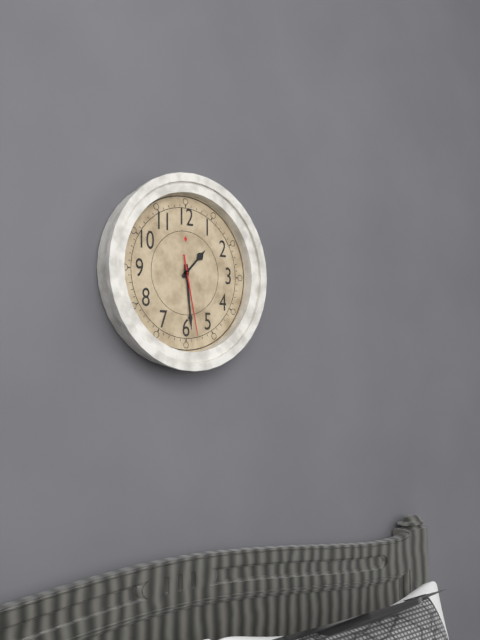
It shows 1,29,28
